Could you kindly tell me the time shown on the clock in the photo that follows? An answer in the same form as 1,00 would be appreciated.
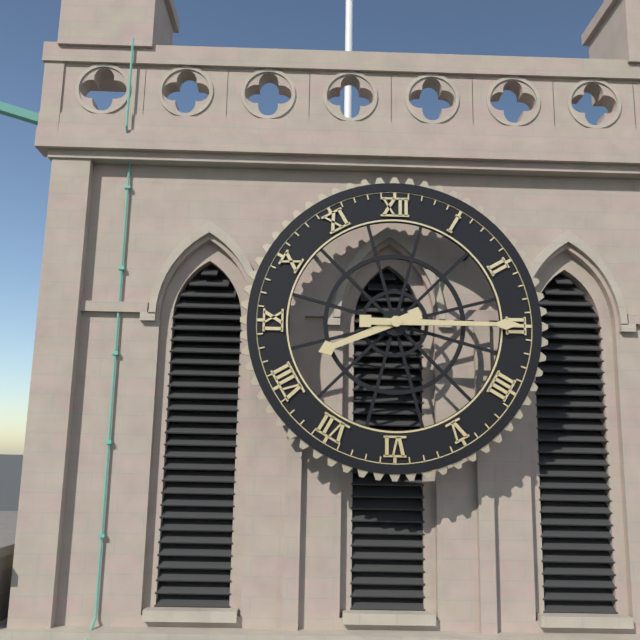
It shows 8,15
